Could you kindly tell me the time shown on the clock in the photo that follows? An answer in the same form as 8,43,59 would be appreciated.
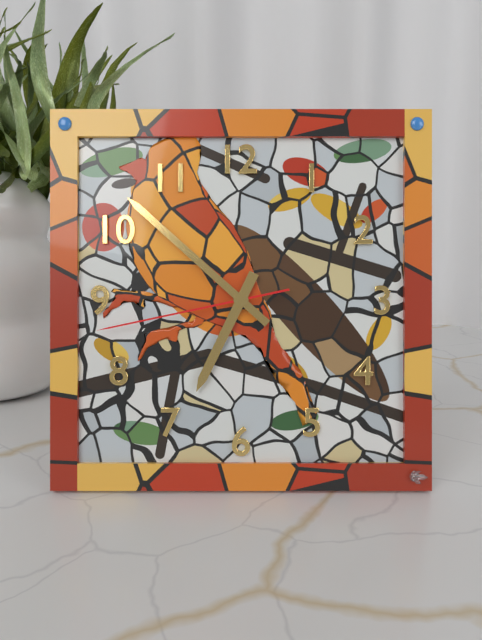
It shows 6,52,43
